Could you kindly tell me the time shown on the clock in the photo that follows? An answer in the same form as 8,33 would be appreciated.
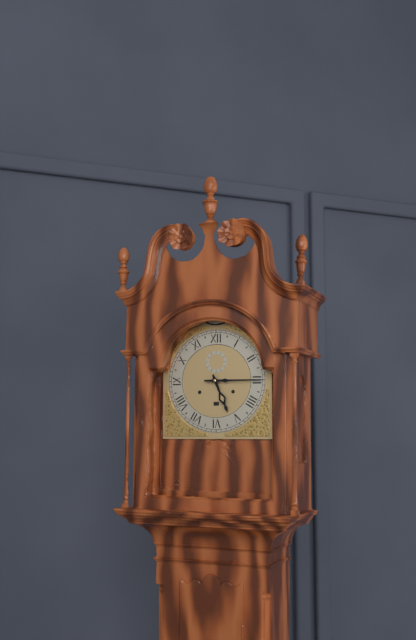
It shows 5,15
